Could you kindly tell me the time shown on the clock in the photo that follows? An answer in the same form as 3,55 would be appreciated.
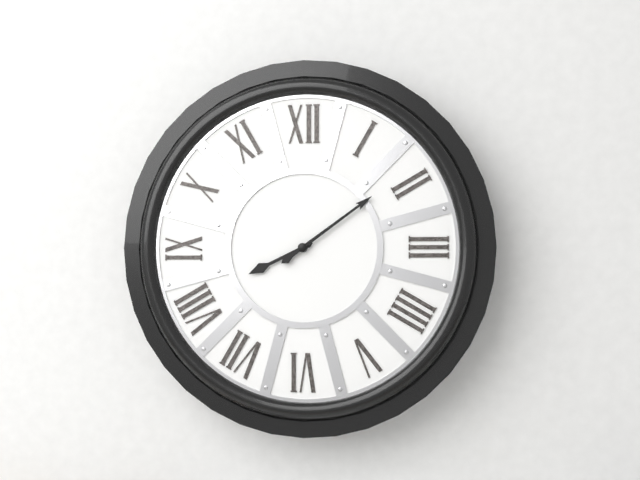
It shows 8,09
